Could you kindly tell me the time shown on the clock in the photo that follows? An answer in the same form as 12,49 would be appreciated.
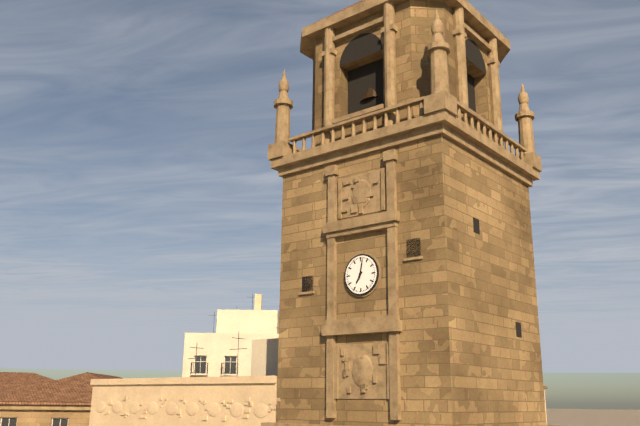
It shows 7,02
